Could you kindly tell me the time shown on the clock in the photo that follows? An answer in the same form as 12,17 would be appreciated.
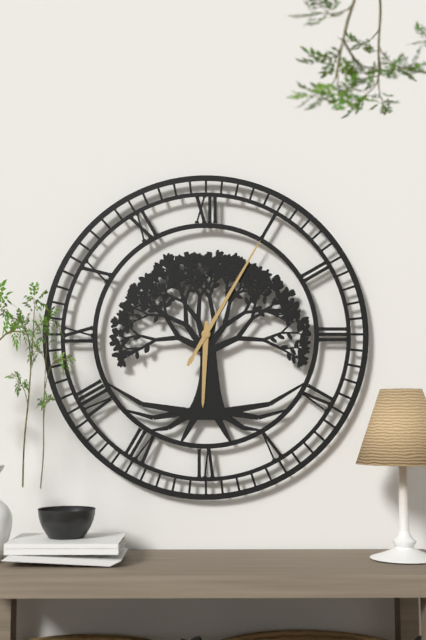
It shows 6,05
